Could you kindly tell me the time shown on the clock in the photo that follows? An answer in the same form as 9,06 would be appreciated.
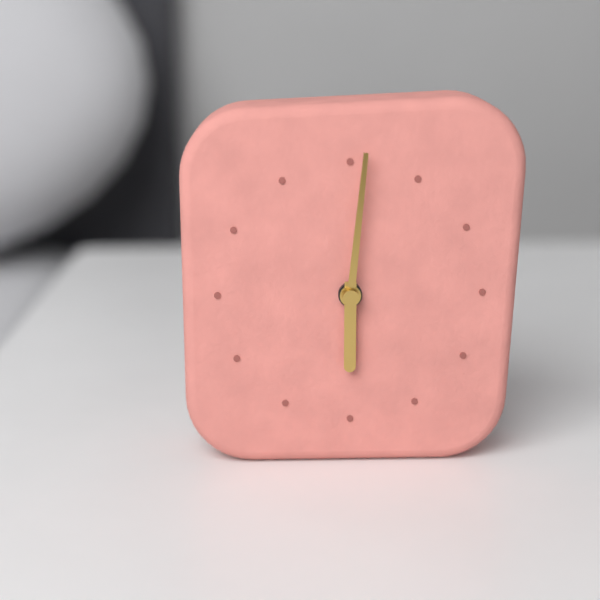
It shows 6,01
